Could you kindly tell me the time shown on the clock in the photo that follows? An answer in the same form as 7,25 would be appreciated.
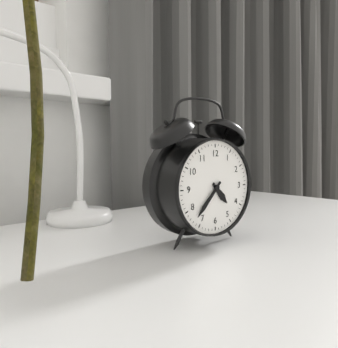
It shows 4,37
